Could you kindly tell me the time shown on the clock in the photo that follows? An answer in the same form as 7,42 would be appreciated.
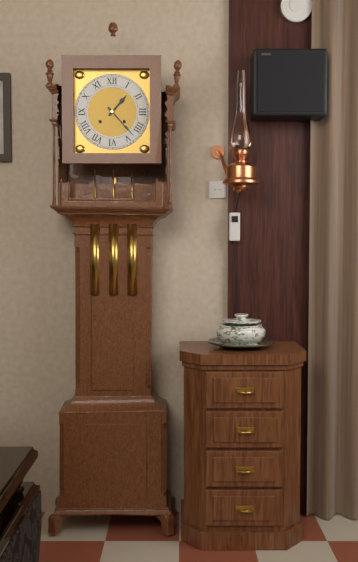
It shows 1,23
